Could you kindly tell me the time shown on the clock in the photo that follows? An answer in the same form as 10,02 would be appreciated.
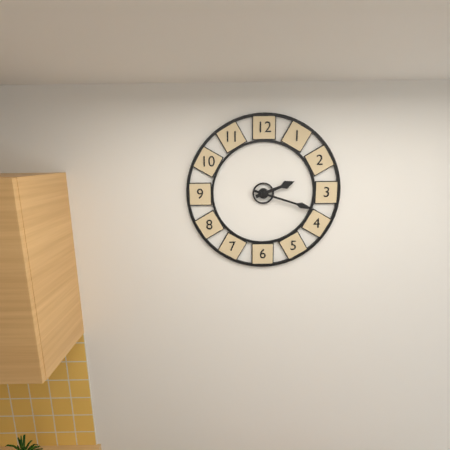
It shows 2,18
